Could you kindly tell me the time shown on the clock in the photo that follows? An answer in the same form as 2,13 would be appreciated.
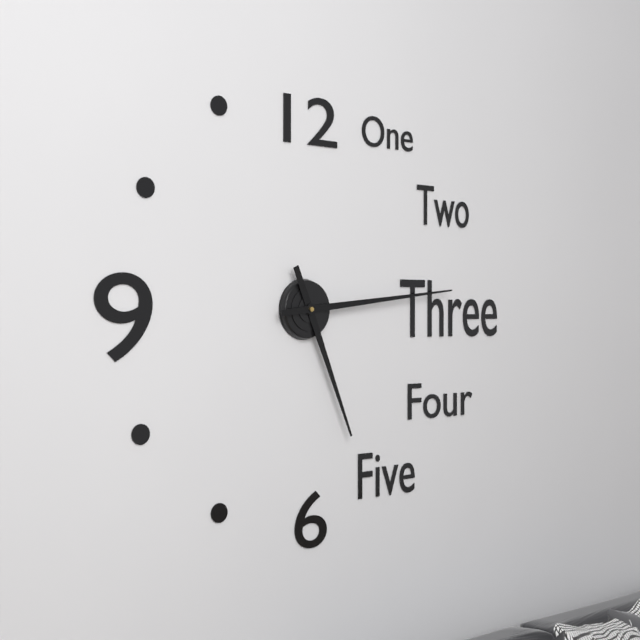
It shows 5,14
